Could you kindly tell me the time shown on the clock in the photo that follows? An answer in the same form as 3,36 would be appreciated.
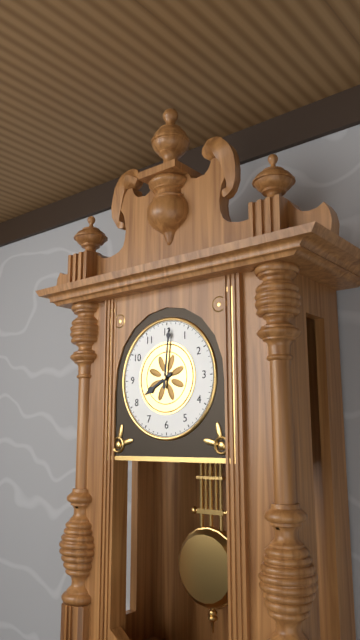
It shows 8,01
